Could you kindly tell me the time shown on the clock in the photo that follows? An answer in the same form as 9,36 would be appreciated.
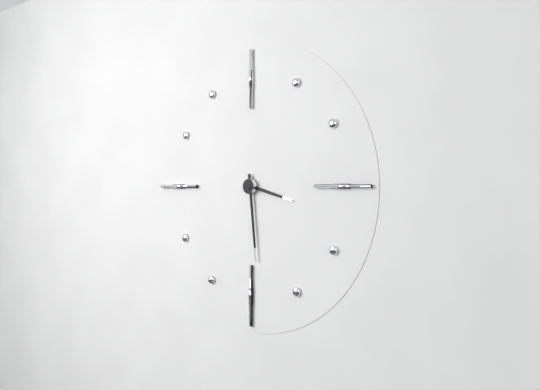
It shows 3,29
